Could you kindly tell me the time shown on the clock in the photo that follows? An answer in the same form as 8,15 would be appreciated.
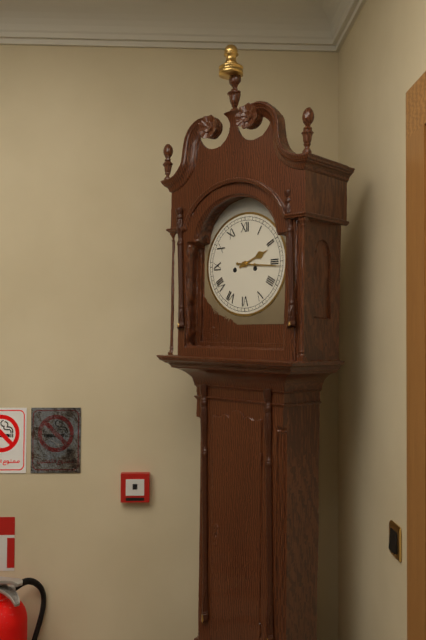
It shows 2,16
